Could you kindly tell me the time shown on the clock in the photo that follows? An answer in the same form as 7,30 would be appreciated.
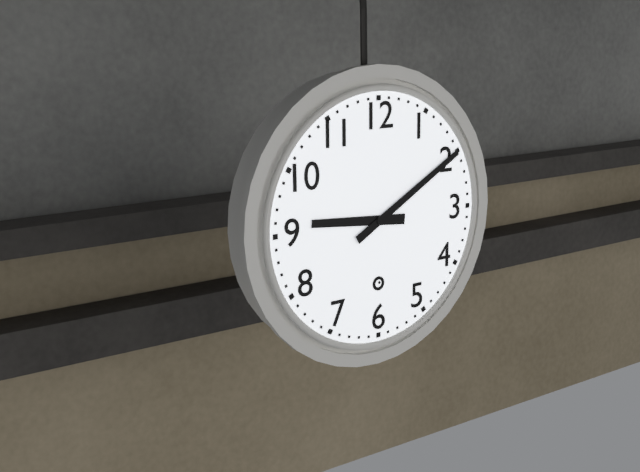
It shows 9,10
